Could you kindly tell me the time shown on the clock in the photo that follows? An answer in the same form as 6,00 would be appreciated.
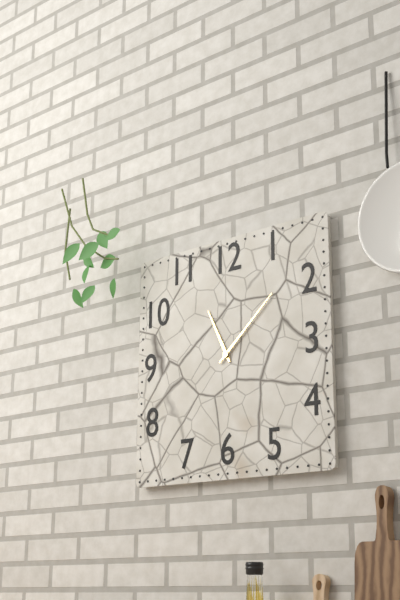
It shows 11,08
